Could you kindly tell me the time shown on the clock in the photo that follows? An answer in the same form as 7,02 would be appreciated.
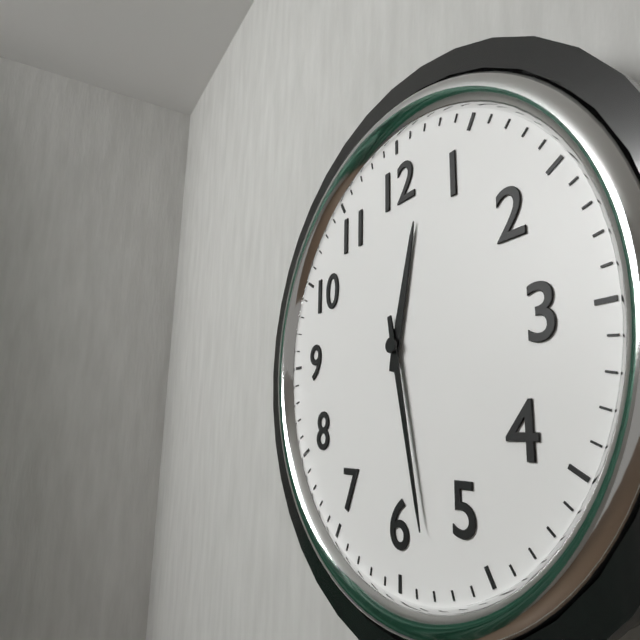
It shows 12,28
